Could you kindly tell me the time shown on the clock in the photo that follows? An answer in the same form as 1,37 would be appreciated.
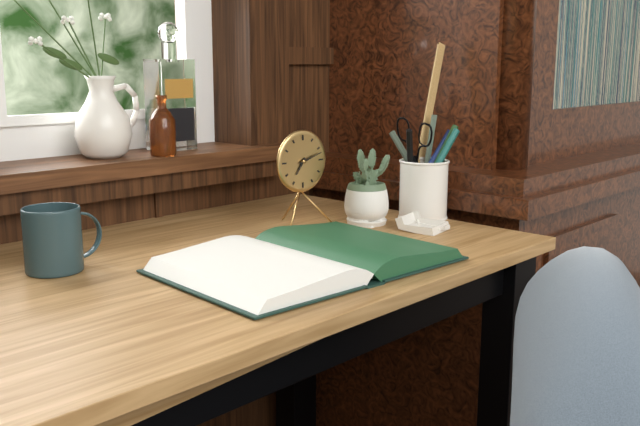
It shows 7,12
